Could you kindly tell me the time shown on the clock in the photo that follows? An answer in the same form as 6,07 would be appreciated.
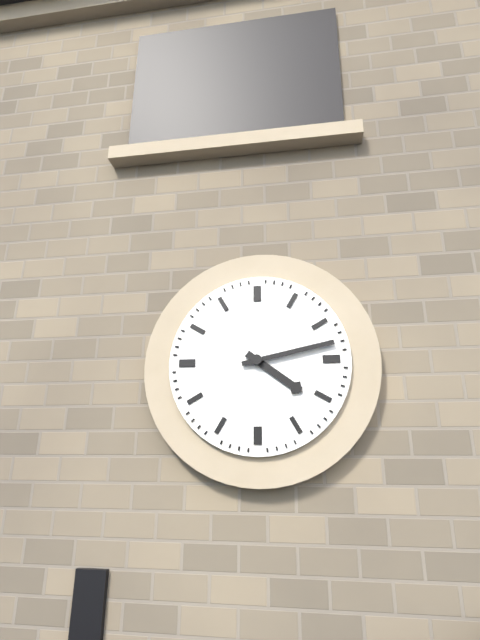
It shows 4,13
